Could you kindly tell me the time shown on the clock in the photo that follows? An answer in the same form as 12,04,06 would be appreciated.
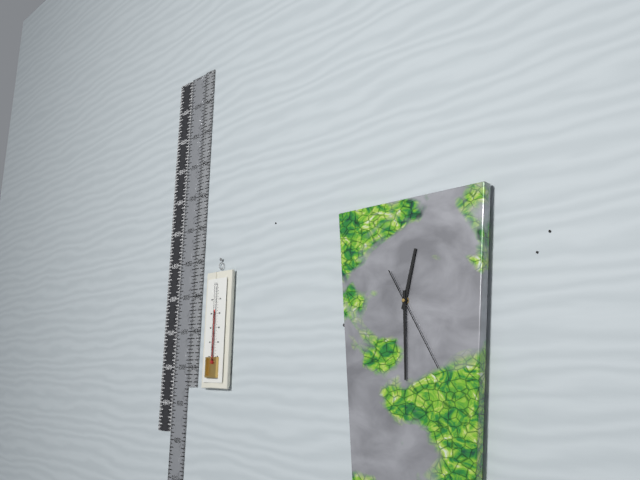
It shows 12,30,25
